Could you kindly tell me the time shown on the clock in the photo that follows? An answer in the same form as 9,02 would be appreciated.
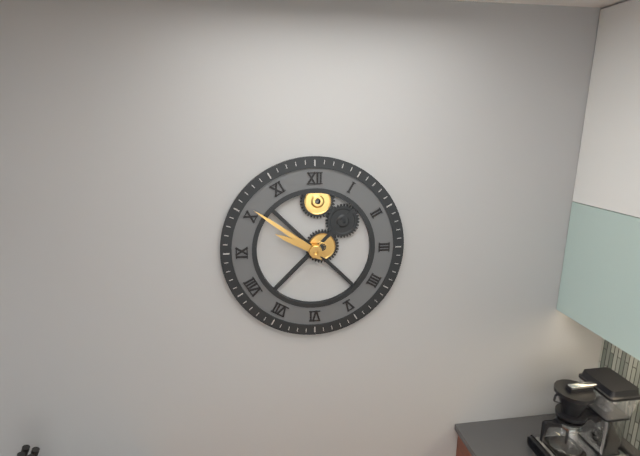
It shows 9,51
